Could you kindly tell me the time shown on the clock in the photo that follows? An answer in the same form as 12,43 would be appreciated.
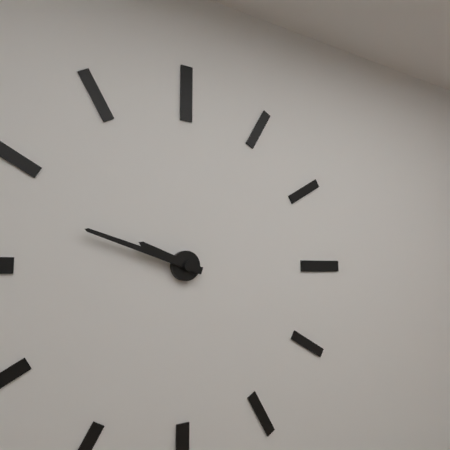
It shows 9,48
